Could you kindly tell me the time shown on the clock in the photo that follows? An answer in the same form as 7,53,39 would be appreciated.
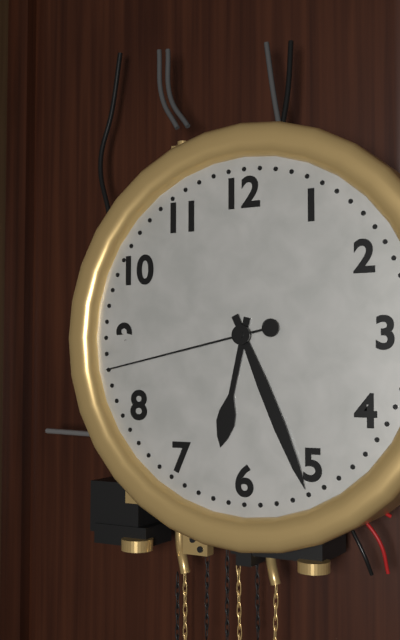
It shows 6,26,43
